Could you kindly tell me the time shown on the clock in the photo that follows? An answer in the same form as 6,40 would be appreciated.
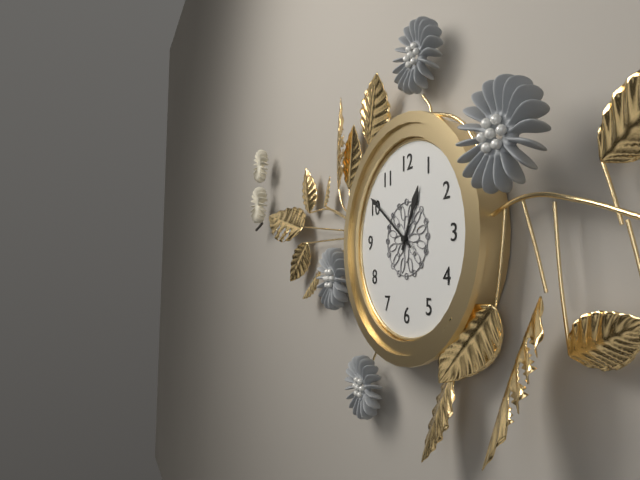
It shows 12,51
